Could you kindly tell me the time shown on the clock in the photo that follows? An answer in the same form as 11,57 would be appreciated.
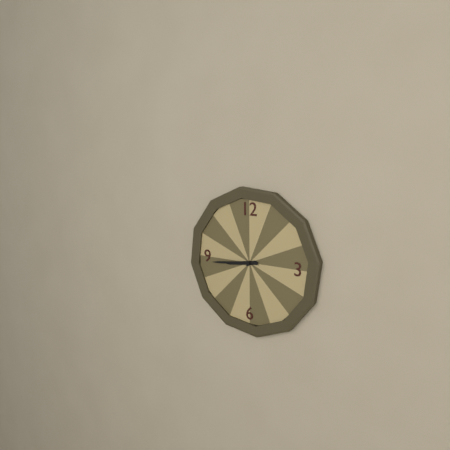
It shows 8,44
